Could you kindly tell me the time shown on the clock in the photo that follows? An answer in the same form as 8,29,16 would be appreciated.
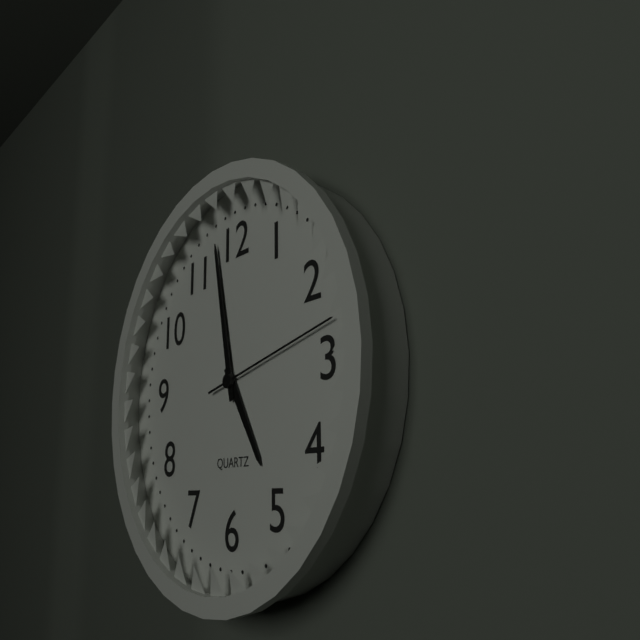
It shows 4,58,13
